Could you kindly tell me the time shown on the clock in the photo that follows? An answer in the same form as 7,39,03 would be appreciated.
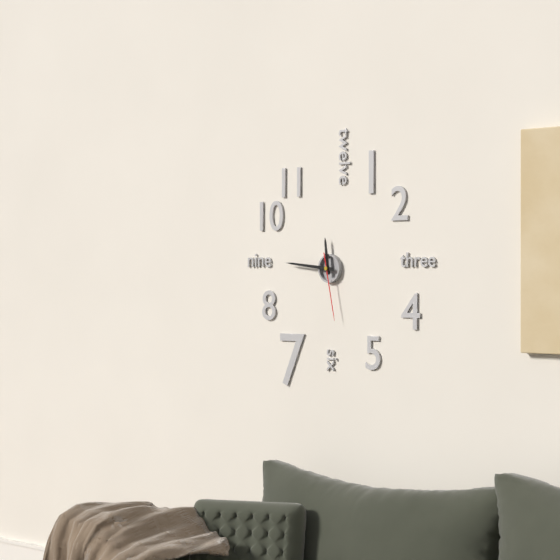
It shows 11,46,28
